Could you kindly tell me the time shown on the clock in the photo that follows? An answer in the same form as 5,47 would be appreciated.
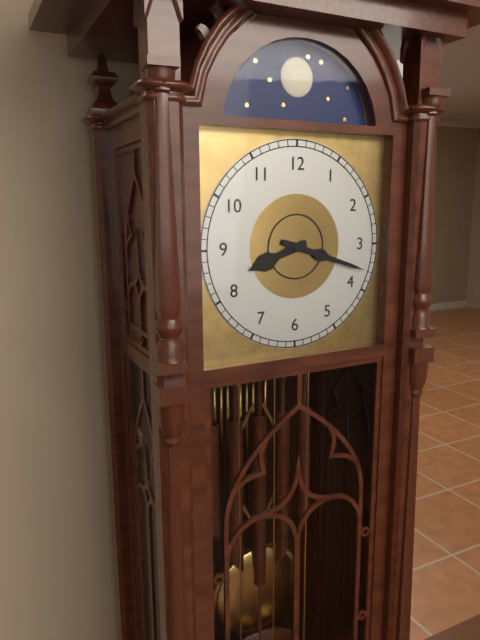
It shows 8,18
